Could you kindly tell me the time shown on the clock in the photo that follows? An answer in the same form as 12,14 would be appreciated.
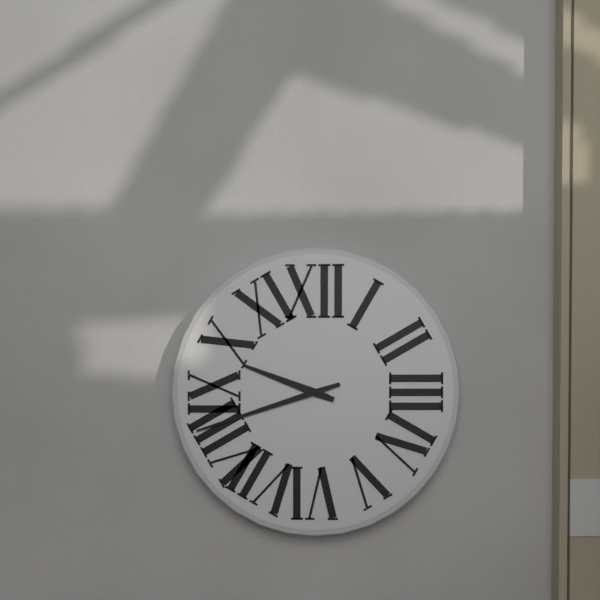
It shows 9,42
